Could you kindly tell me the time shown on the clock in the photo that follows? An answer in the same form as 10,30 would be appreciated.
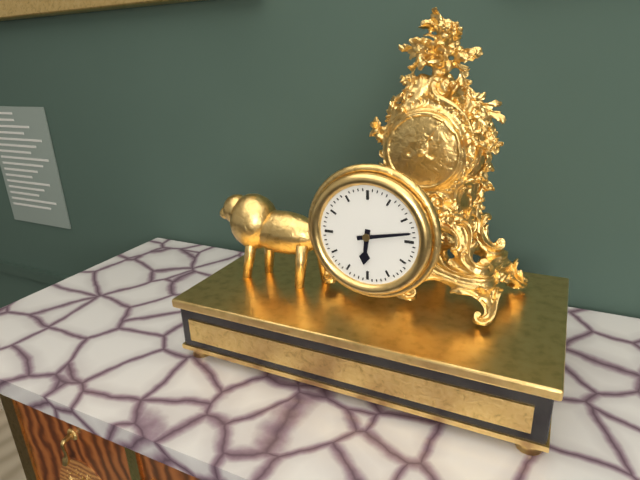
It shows 6,13
